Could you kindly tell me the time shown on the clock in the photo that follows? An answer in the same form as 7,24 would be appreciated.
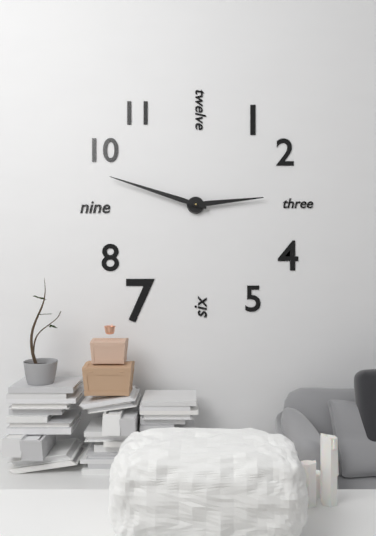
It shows 2,48
